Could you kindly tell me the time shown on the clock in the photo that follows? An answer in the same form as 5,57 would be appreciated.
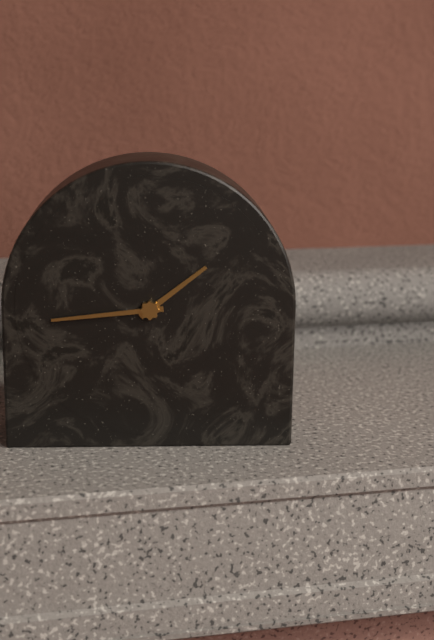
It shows 1,44
